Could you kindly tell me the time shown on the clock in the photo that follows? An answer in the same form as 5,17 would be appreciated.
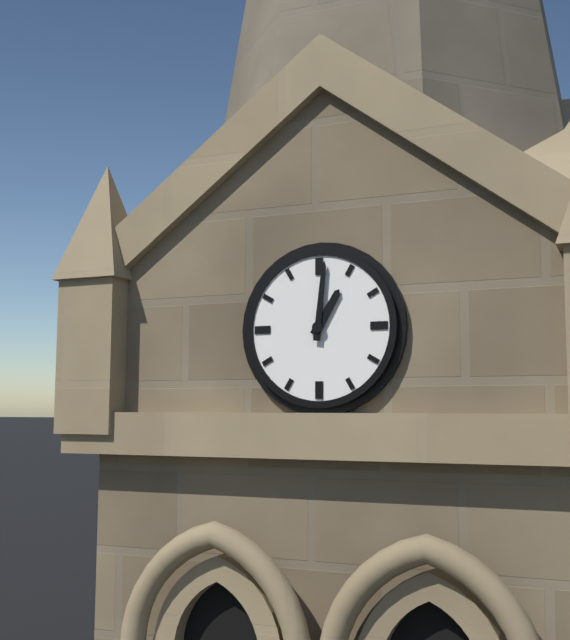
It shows 1,01
